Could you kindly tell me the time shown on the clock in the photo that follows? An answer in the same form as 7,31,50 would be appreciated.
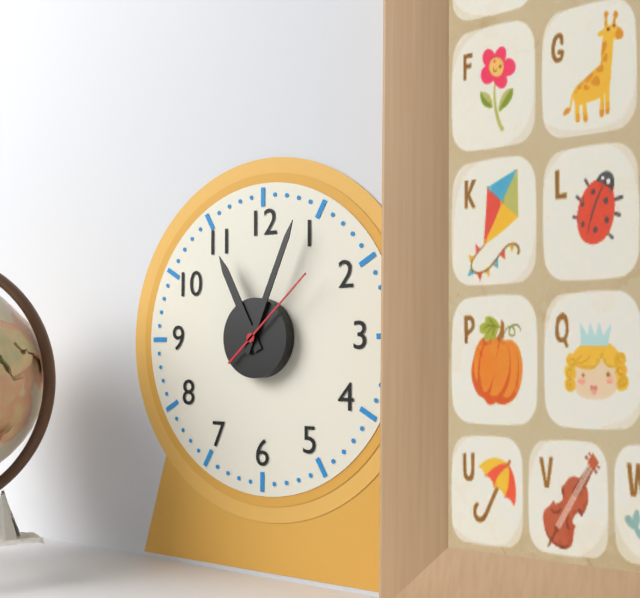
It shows 11,04,08
